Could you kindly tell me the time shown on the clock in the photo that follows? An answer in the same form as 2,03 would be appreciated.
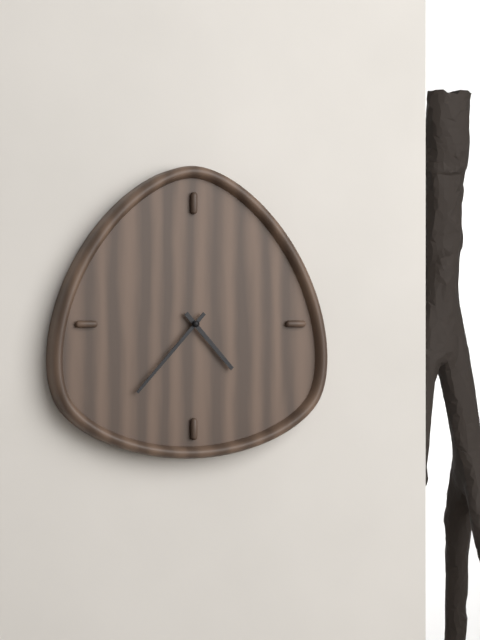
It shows 4,37
